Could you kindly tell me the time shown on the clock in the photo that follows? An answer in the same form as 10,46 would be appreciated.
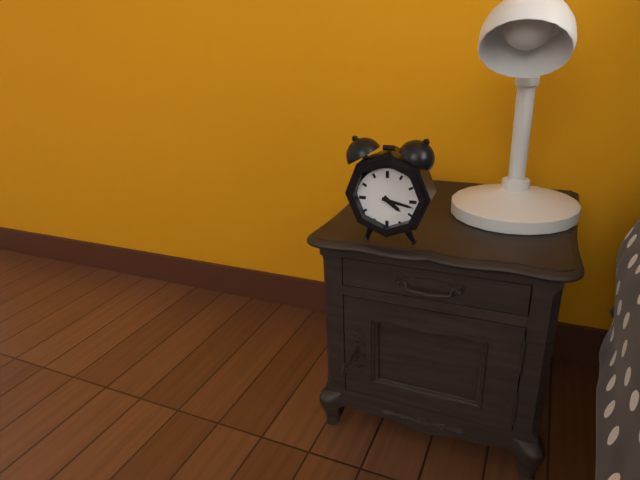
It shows 4,17
